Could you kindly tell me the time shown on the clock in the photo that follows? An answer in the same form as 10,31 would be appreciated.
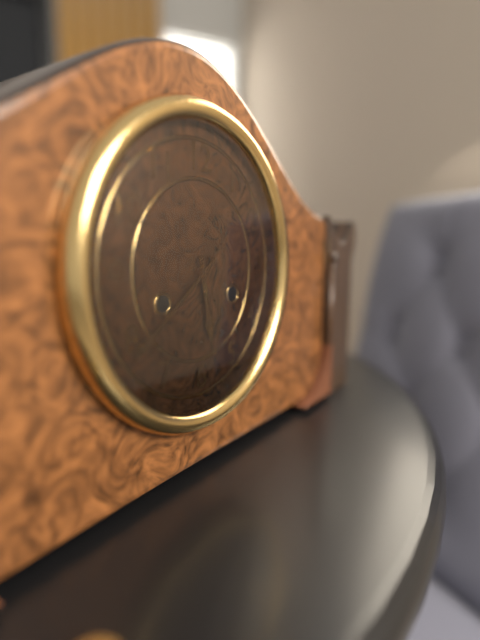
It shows 5,39
